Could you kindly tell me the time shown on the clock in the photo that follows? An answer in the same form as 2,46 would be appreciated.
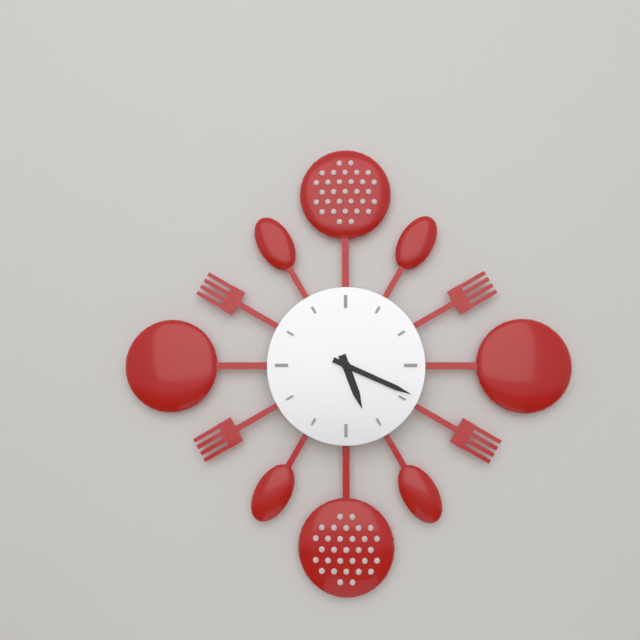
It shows 5,19
